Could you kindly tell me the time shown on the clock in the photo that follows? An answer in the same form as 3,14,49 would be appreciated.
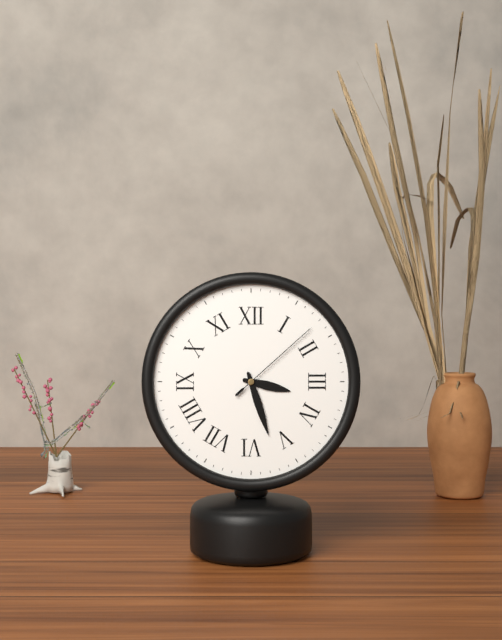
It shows 3,27,08
